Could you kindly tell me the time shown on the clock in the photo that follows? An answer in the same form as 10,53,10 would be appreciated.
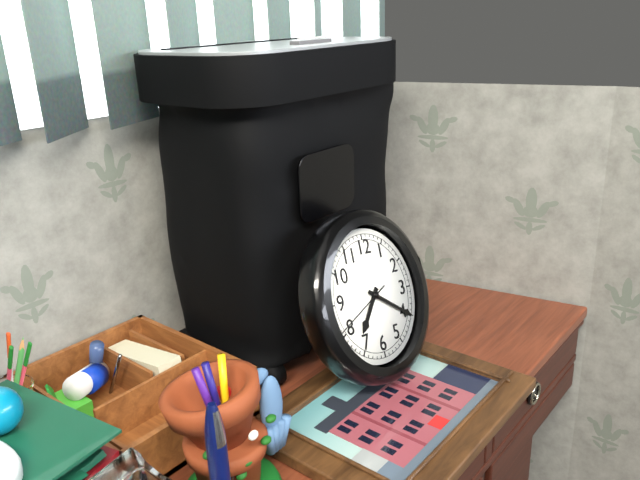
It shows 7,20,41
